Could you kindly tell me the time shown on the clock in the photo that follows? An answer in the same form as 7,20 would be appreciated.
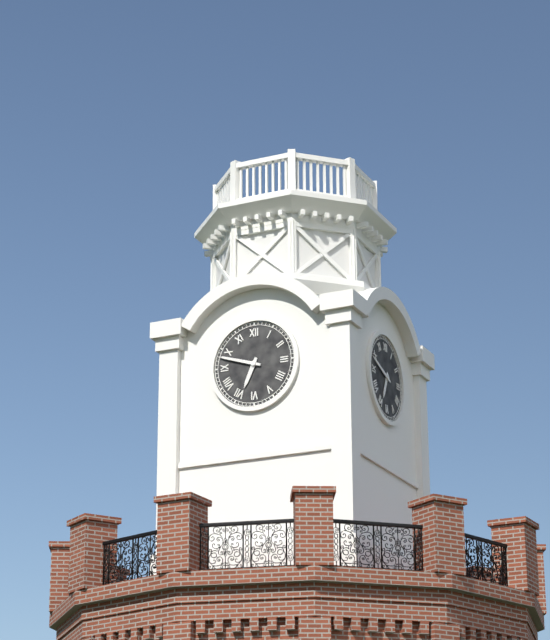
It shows 6,48
